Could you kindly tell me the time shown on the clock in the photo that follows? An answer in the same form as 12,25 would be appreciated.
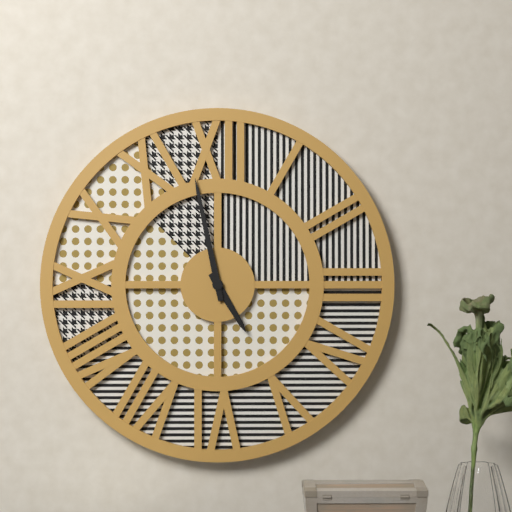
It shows 4,58
